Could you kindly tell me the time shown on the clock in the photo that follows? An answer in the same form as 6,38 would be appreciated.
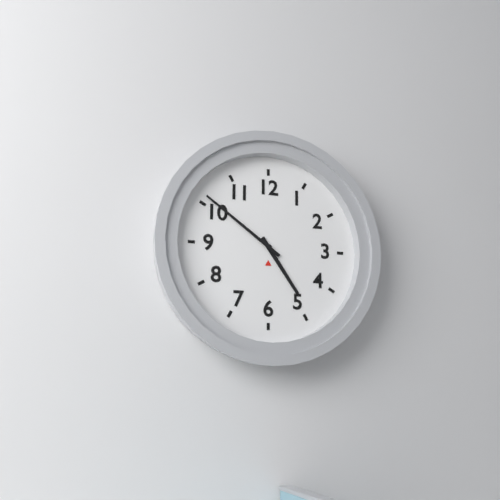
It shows 4,51
